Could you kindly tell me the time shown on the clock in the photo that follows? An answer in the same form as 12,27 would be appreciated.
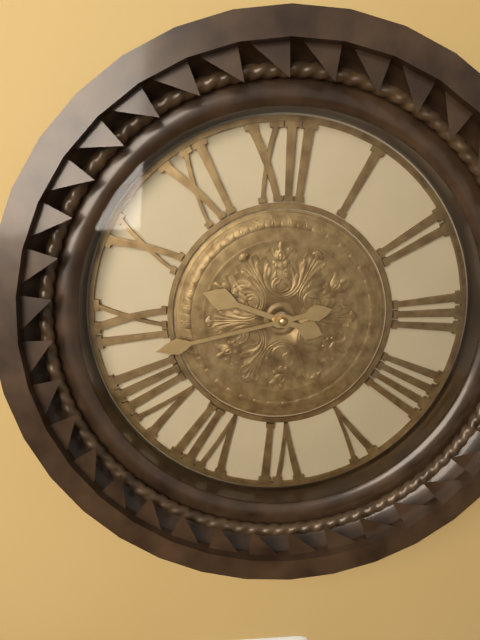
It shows 9,43
